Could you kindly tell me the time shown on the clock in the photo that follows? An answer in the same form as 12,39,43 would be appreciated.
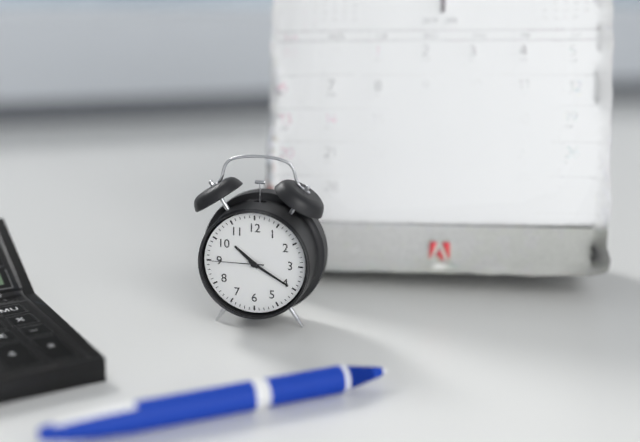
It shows 10,20,45
